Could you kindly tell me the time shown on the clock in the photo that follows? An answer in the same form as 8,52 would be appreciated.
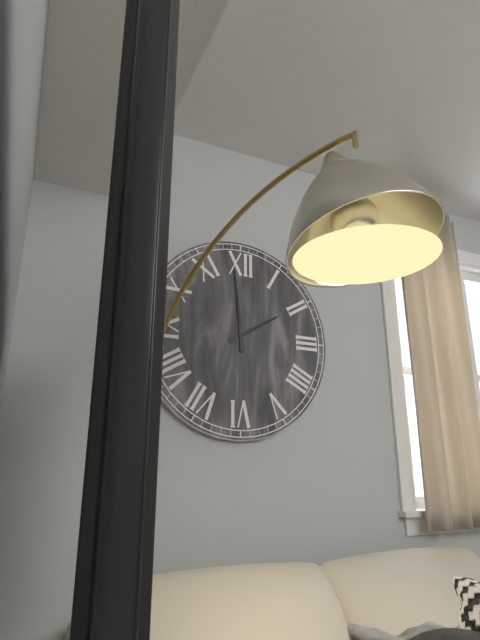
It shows 1,59
